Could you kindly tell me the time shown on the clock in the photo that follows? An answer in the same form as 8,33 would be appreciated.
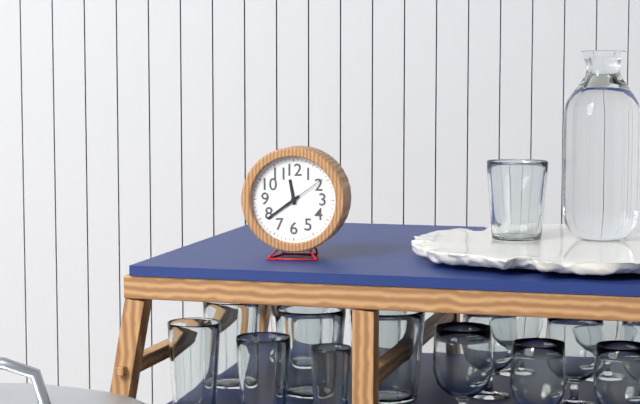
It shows 11,39
